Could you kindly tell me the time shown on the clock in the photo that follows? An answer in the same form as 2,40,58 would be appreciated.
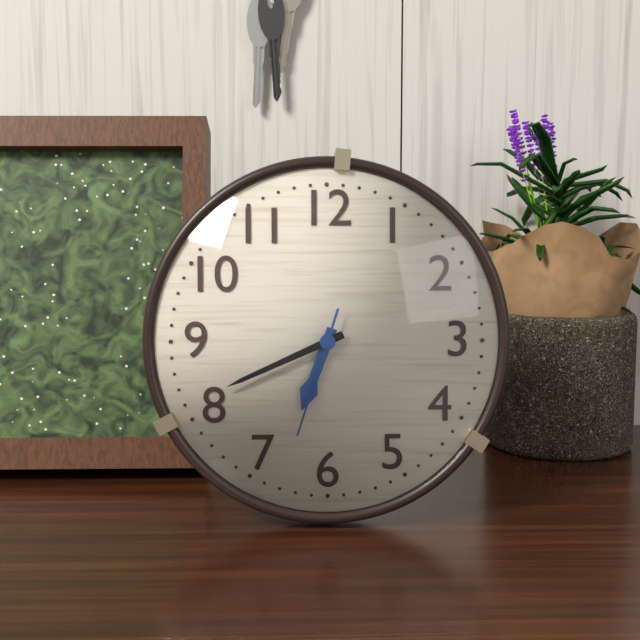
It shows 6,41,33
